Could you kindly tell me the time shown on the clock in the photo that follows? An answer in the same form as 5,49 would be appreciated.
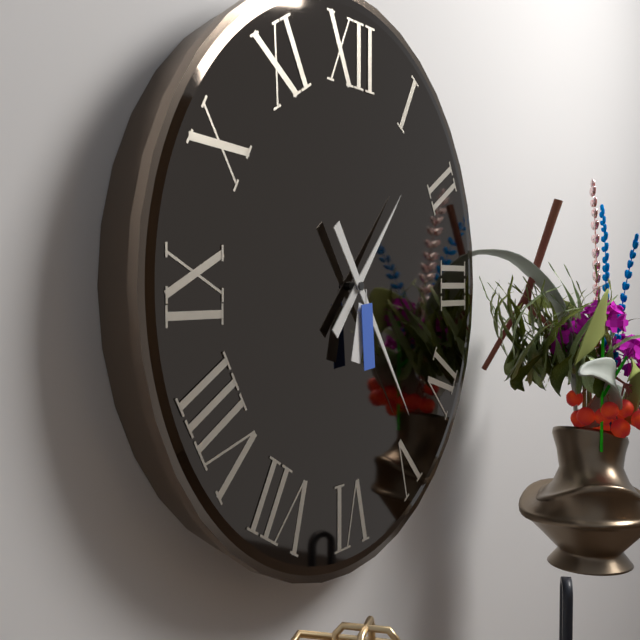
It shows 1,24
